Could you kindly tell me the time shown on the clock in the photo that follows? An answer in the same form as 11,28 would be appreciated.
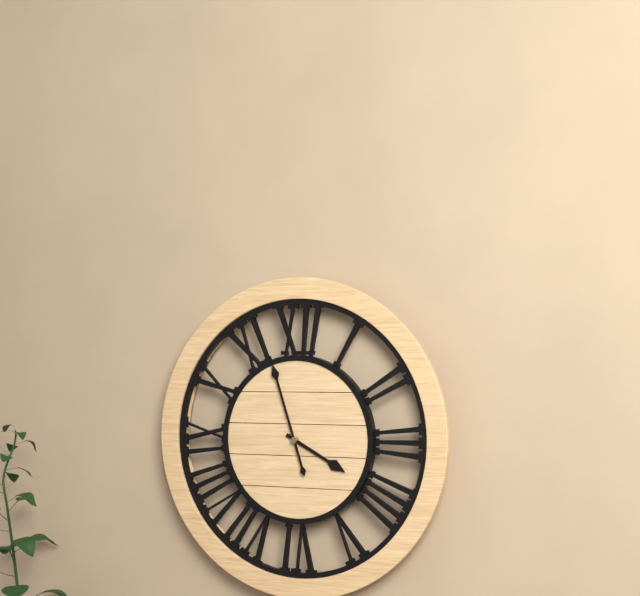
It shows 3,57
